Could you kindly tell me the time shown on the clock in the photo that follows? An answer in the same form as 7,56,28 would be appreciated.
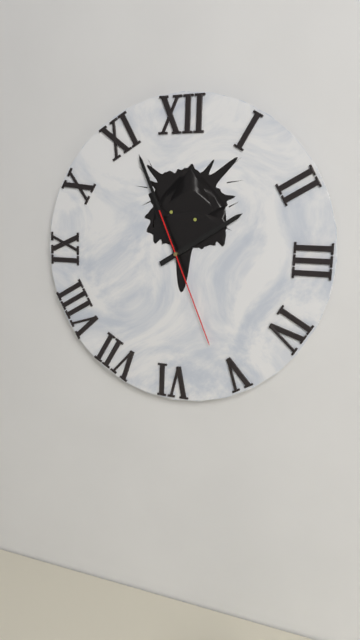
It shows 1,56,26
